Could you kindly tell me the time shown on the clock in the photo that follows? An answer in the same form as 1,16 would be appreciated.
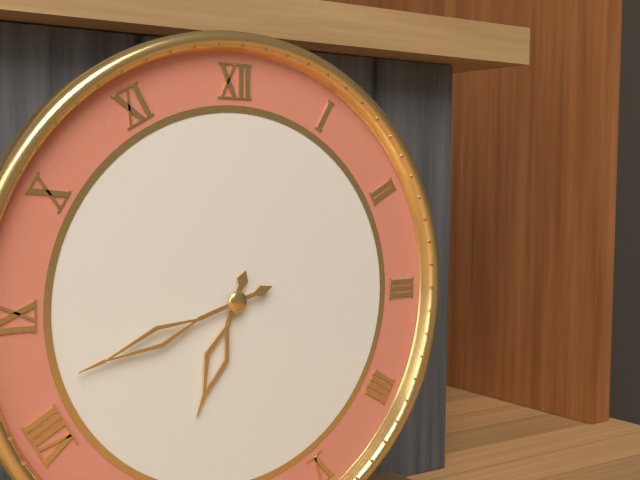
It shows 6,42
